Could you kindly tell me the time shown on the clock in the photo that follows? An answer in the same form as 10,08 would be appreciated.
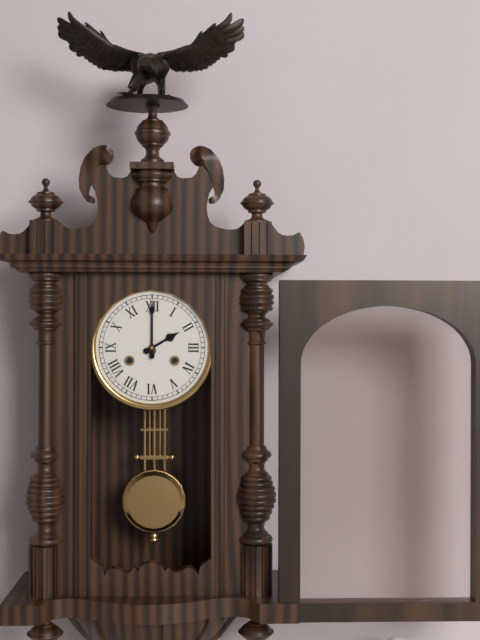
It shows 2,00
